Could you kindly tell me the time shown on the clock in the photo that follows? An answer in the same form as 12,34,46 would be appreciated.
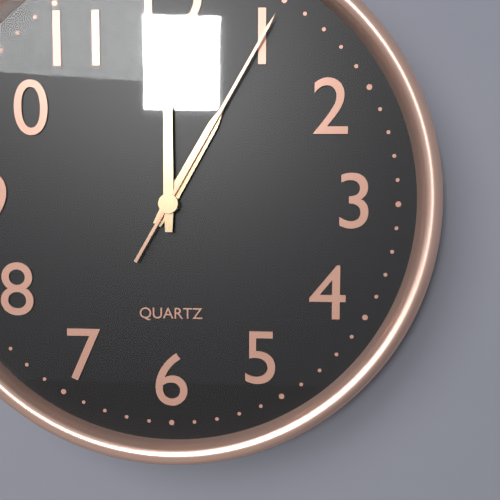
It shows 1,00,05
